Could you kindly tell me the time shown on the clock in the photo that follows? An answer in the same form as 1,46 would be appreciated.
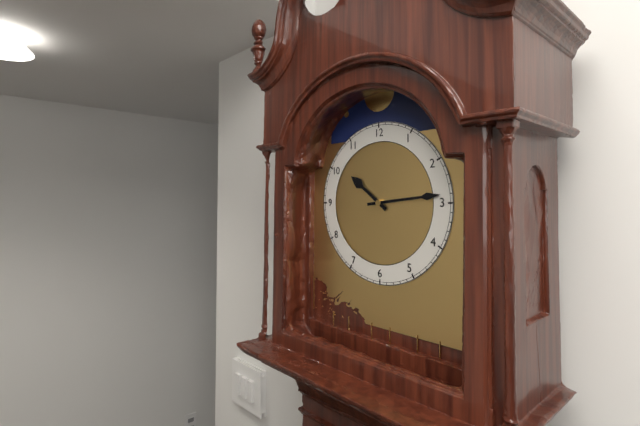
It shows 10,14
